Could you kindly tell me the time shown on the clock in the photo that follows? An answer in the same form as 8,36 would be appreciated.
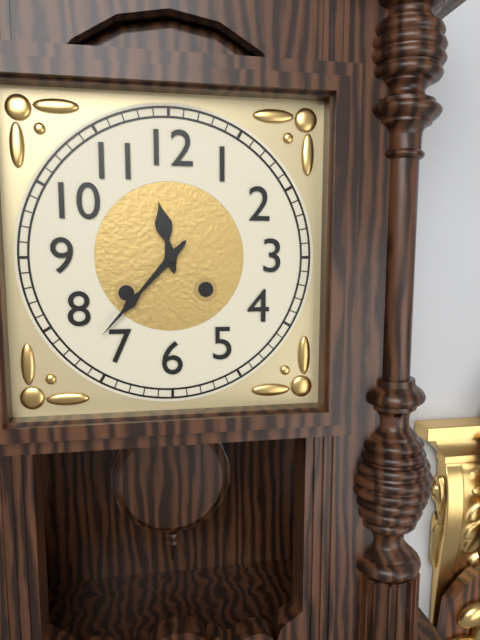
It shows 11,37
